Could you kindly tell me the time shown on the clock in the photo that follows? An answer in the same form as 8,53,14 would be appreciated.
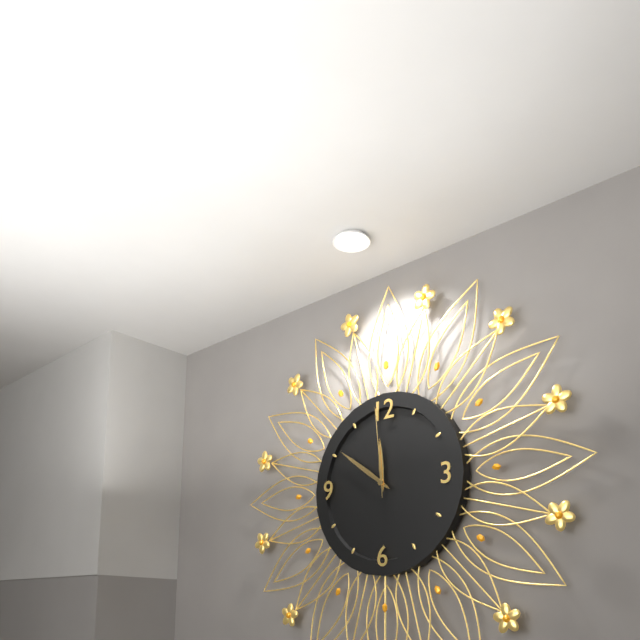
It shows 11,51,59
